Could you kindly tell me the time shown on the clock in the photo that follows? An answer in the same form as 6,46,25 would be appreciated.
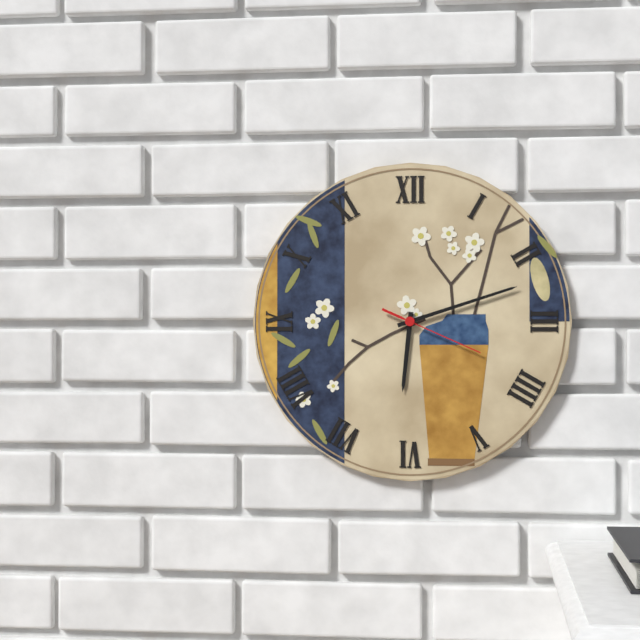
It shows 6,12,19
